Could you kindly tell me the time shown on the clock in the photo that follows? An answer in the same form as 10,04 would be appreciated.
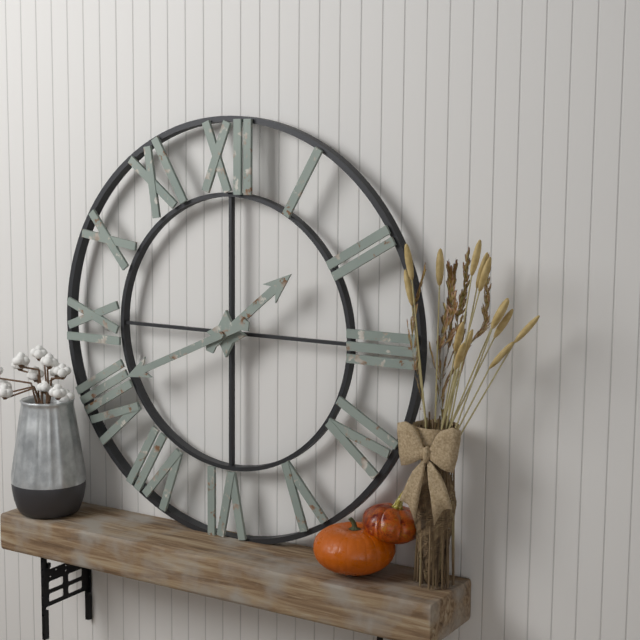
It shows 1,41
